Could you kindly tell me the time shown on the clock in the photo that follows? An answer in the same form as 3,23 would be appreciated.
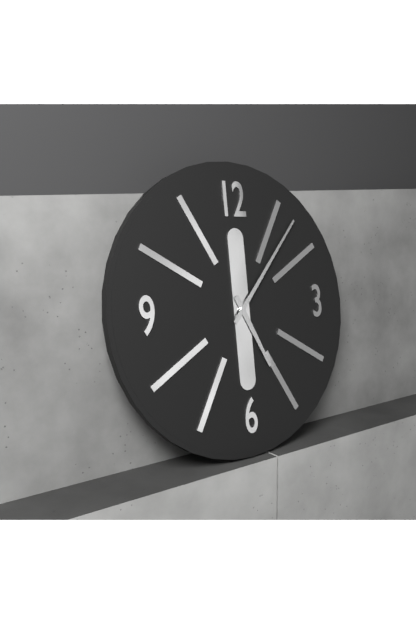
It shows 5,07
